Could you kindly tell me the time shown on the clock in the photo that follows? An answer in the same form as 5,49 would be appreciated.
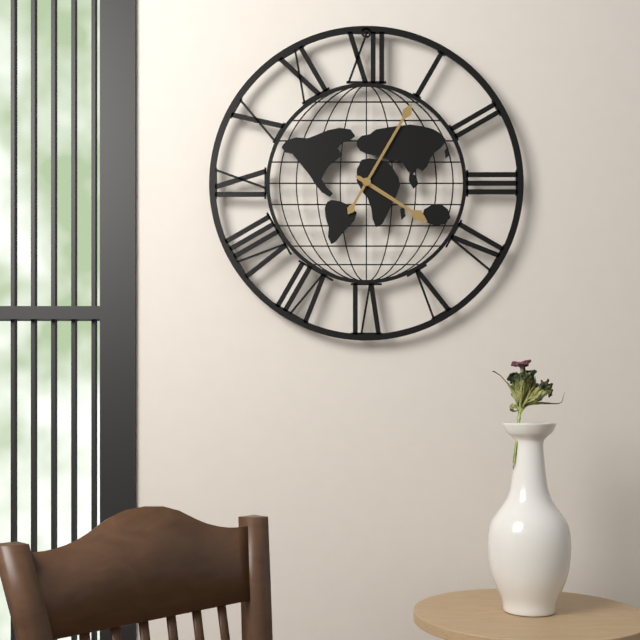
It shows 4,05
